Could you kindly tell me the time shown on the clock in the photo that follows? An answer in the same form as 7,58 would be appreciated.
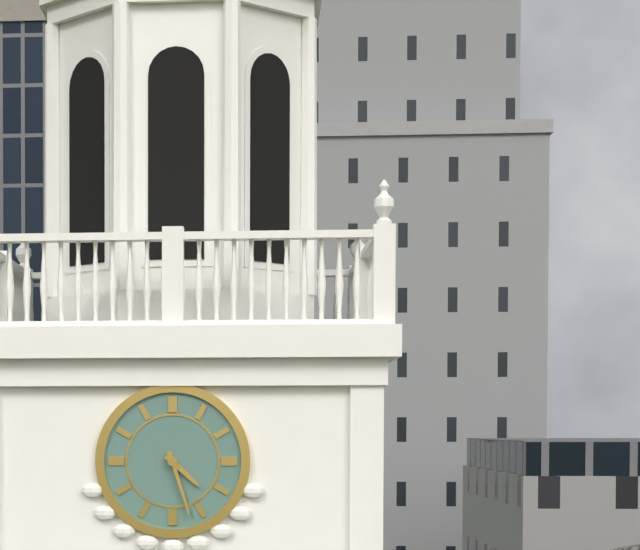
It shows 4,27
